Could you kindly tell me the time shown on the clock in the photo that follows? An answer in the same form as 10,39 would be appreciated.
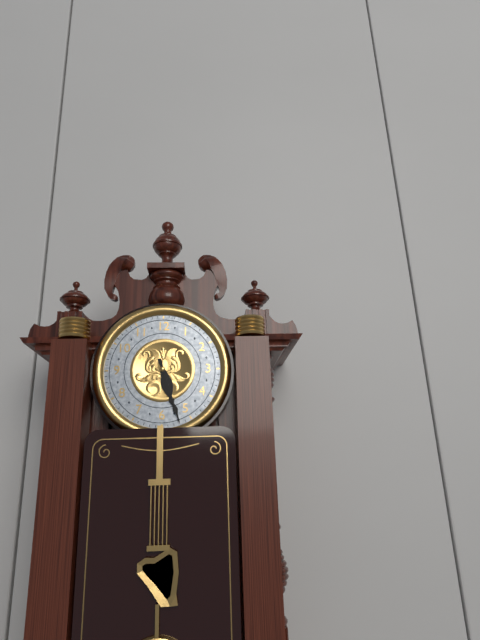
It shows 5,27
